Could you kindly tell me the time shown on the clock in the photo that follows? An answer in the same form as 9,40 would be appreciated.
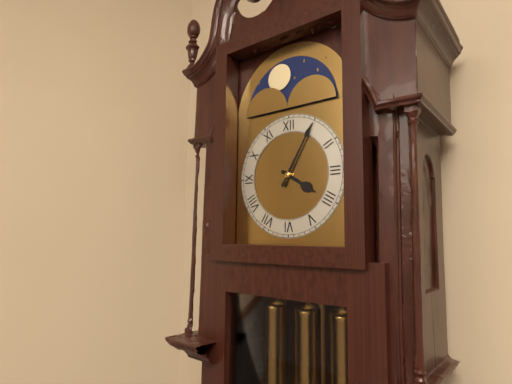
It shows 4,05
